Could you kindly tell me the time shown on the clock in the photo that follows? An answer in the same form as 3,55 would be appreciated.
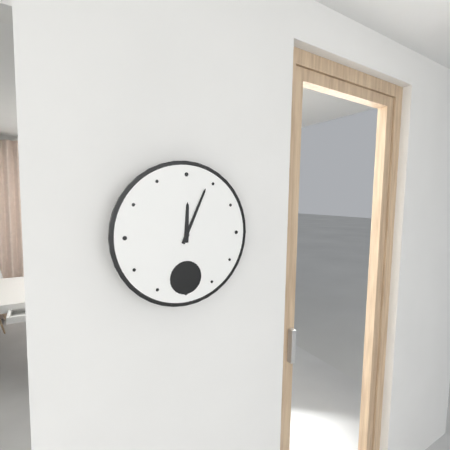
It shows 12,04
